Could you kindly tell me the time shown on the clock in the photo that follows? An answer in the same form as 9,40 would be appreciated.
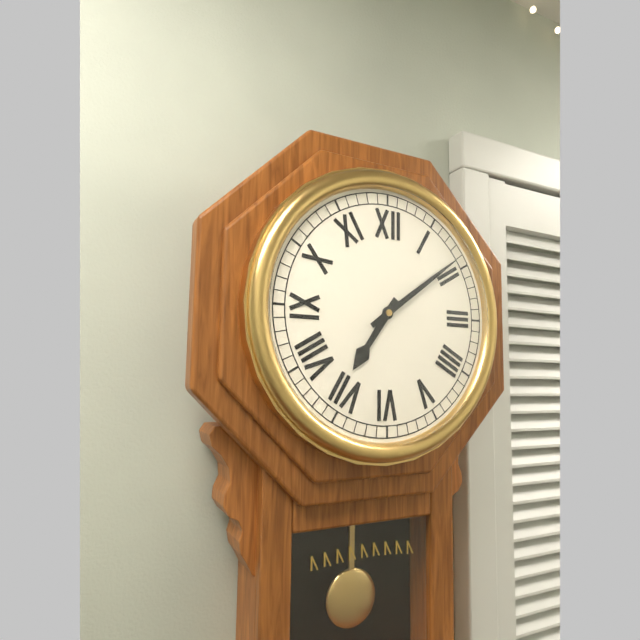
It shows 7,09
